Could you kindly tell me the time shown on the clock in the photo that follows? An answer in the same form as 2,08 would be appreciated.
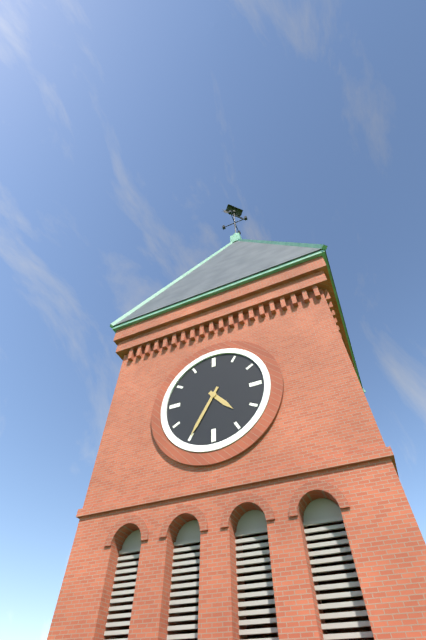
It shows 4,35
